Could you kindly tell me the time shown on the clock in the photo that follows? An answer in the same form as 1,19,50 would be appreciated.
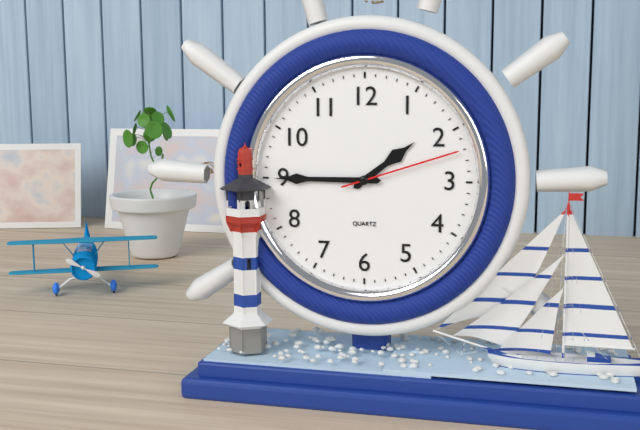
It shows 1,45,12
